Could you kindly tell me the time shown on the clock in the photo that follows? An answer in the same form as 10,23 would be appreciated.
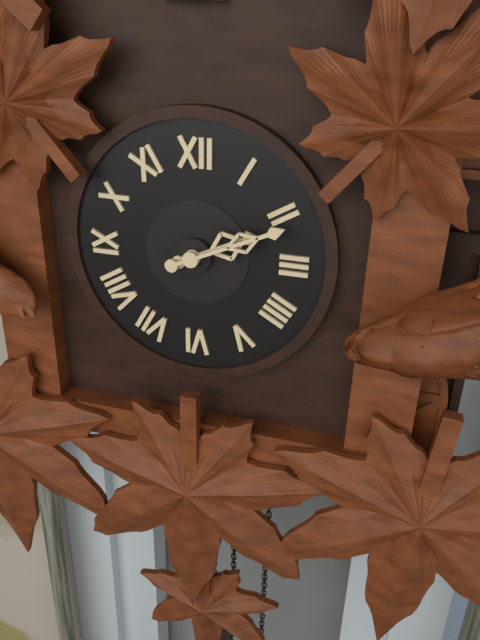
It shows 2,11
